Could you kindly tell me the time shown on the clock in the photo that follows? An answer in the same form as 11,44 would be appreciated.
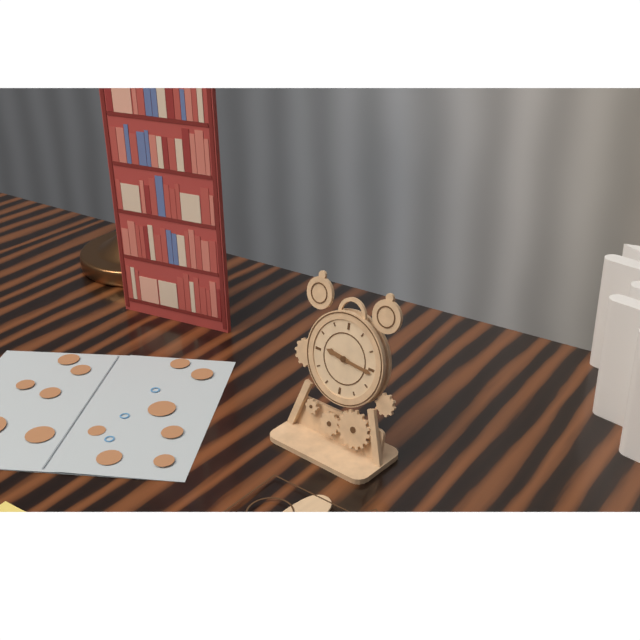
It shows 9,16
